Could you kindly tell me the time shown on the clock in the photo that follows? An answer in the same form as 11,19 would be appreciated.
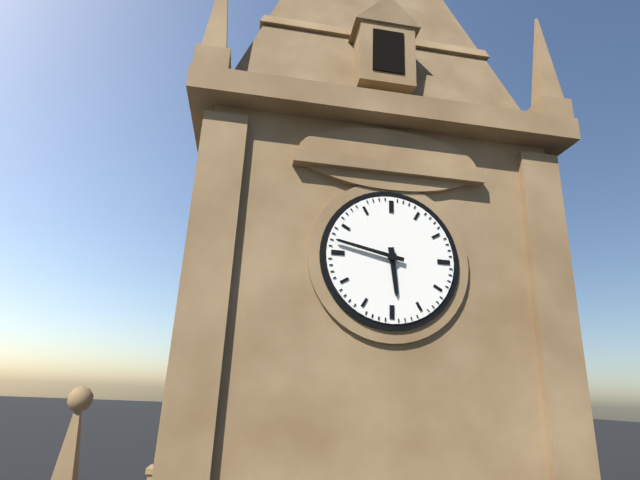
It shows 5,47
